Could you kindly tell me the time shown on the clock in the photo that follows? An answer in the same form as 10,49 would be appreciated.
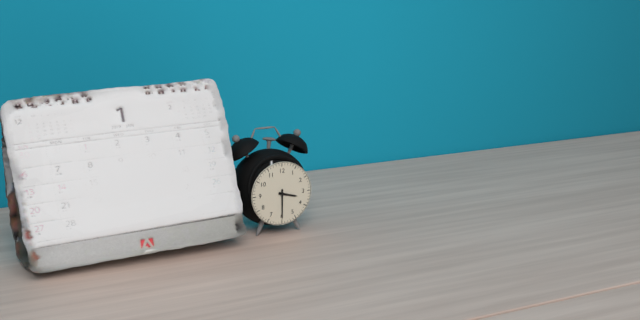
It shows 3,30
